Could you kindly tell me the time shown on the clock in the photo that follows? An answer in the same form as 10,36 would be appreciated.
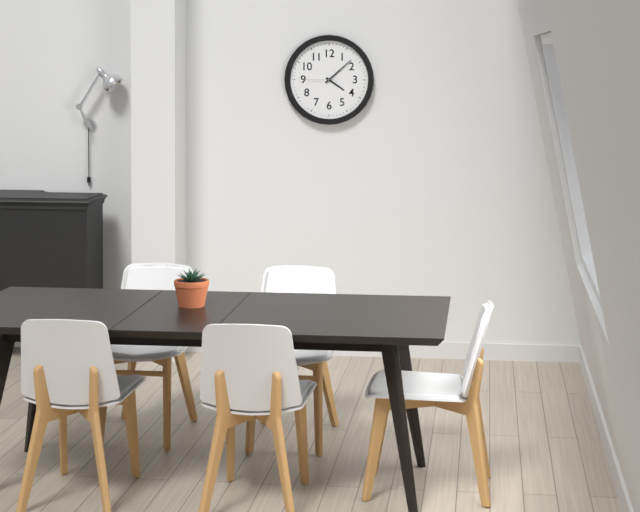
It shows 4,08
